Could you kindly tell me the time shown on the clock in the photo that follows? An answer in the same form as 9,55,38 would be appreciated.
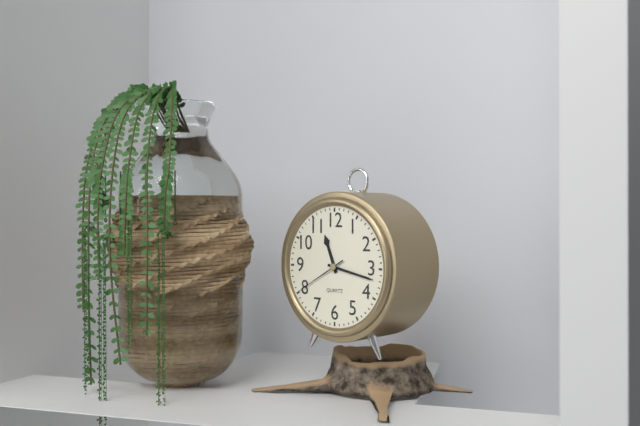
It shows 11,17,40
